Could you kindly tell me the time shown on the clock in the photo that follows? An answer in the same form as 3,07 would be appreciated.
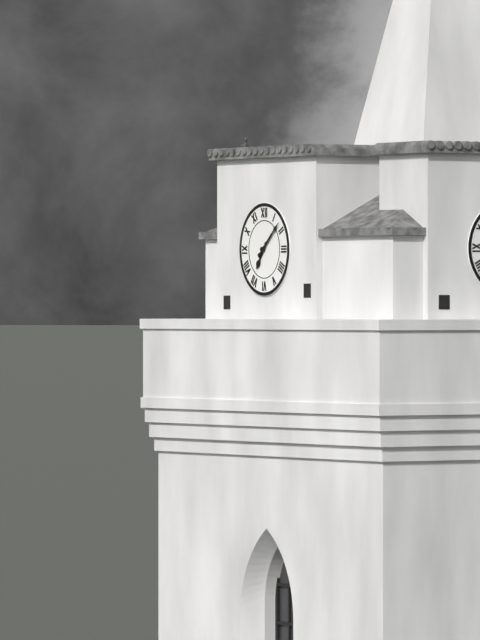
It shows 7,08
